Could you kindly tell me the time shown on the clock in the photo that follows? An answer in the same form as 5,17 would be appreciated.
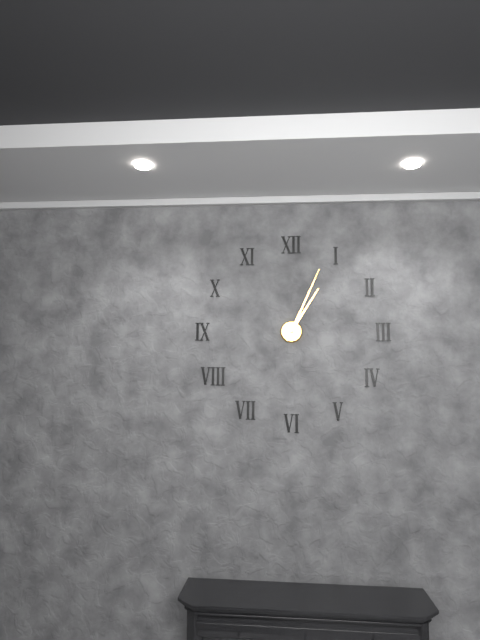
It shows 1,04
